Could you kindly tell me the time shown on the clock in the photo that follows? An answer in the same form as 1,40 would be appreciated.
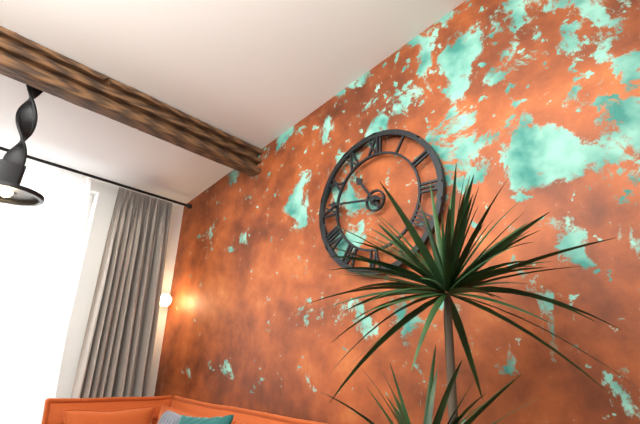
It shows 10,46
